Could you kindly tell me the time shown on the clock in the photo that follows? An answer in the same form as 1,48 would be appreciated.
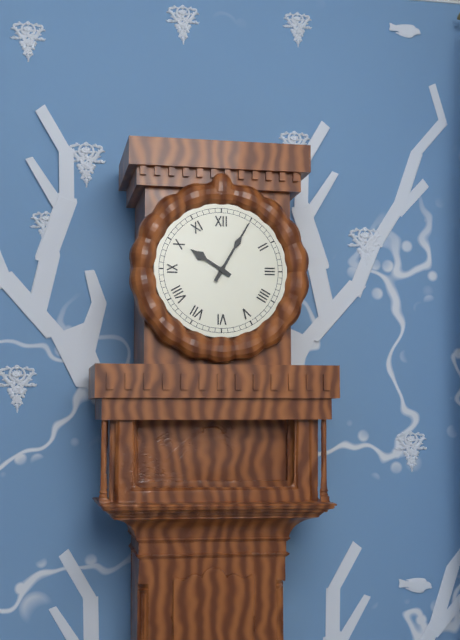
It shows 10,05
